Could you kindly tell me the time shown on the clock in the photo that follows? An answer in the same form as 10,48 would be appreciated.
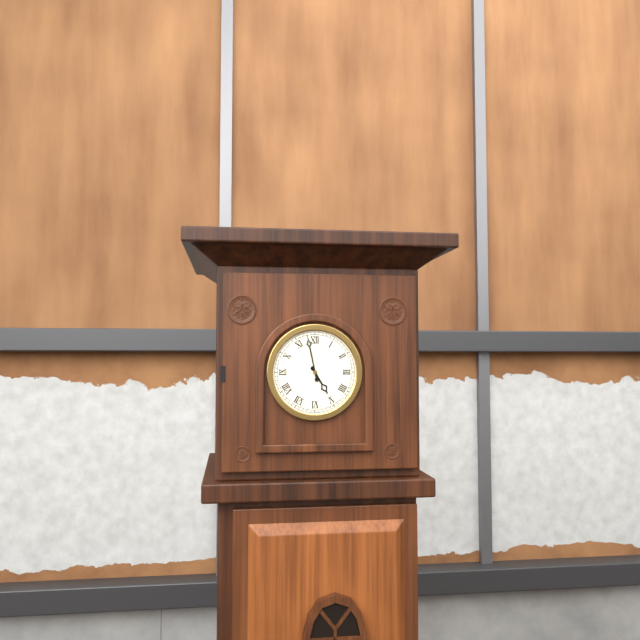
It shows 4,58
